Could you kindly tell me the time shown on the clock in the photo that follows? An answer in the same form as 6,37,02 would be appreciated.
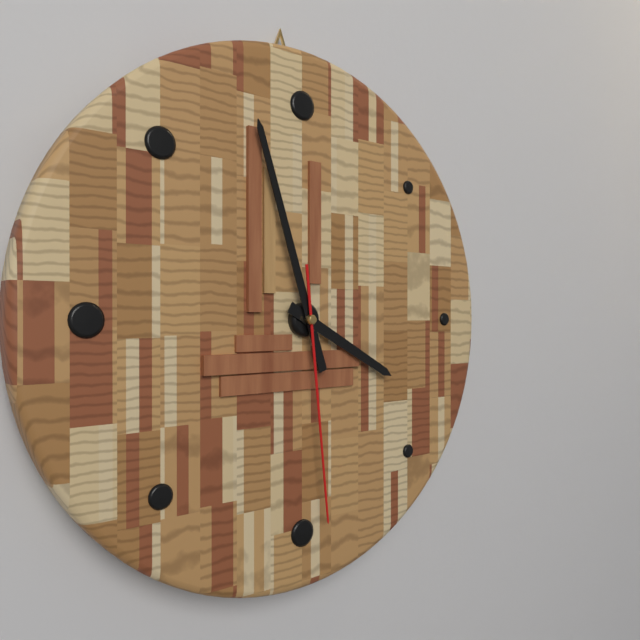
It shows 3,57,29
